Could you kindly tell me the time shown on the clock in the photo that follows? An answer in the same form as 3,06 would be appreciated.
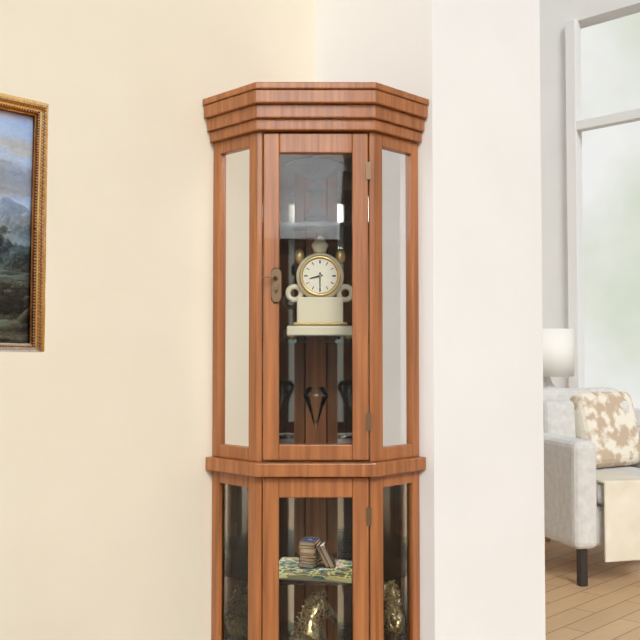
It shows 8,30
